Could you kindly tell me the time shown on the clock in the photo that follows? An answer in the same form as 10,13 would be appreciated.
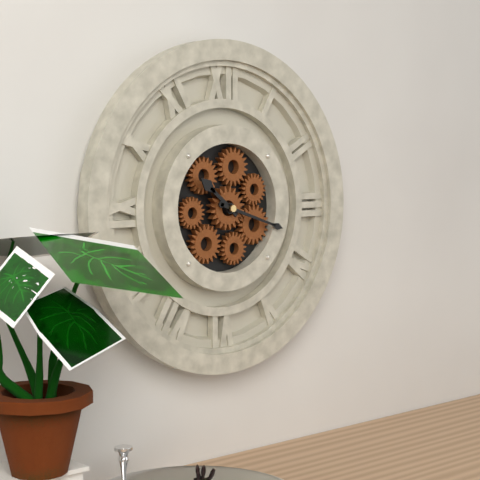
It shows 10,18
